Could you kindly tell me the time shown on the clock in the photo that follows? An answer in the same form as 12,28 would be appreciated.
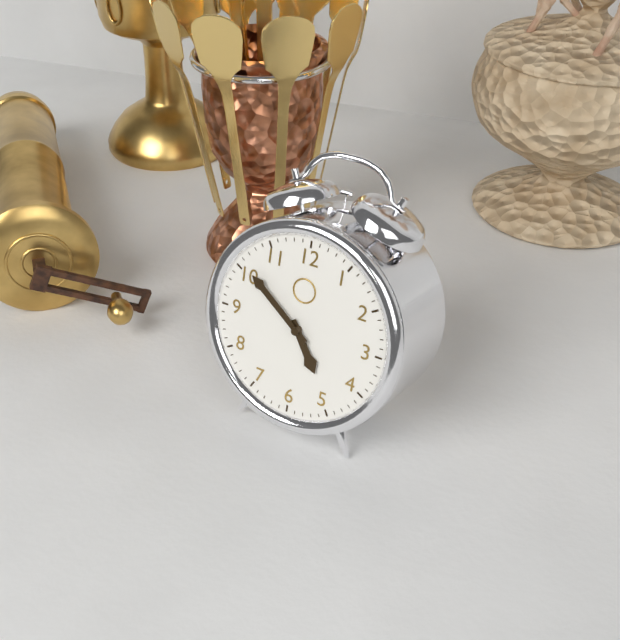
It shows 4,51
